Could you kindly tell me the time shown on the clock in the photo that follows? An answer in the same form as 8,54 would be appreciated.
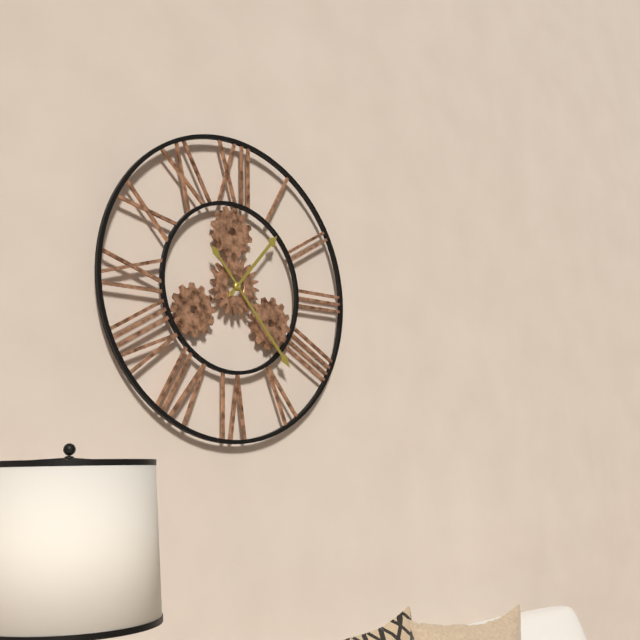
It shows 1,23
